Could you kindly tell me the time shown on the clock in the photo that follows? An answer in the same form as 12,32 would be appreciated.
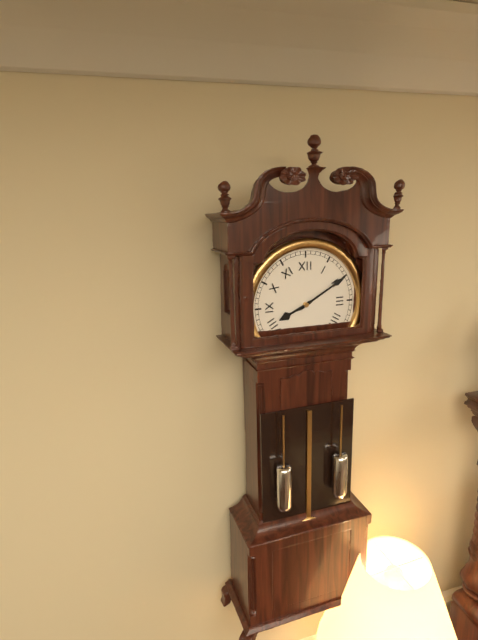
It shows 8,10
